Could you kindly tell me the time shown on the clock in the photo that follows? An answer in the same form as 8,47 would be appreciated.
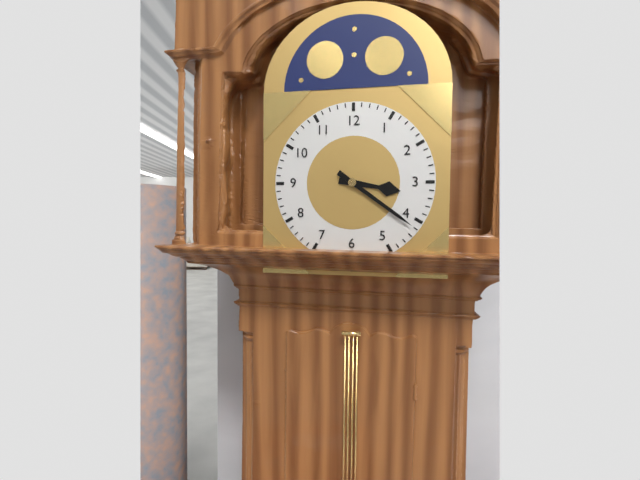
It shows 3,21
